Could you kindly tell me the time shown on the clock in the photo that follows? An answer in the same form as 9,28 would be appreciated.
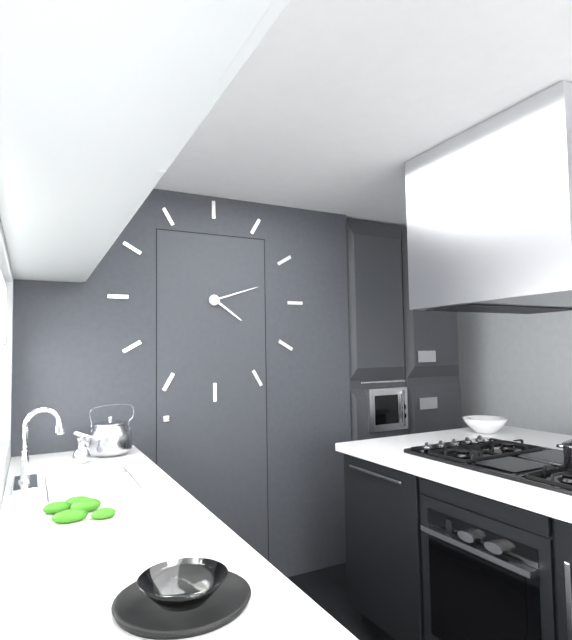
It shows 4,12
